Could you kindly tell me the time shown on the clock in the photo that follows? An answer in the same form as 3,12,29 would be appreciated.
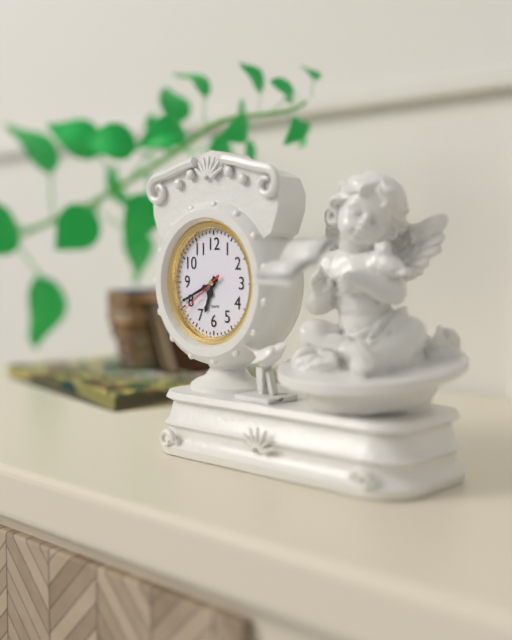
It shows 6,41,39
